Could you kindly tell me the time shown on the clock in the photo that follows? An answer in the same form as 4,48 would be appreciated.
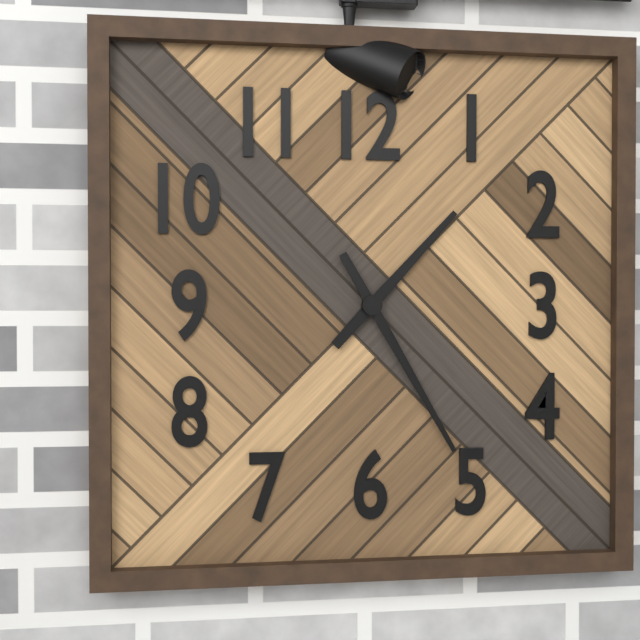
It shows 1,25
